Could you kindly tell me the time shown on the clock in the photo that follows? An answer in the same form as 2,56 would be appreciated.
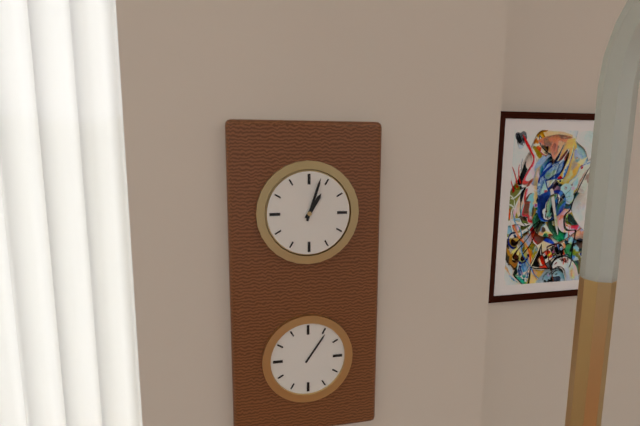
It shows 1,03
